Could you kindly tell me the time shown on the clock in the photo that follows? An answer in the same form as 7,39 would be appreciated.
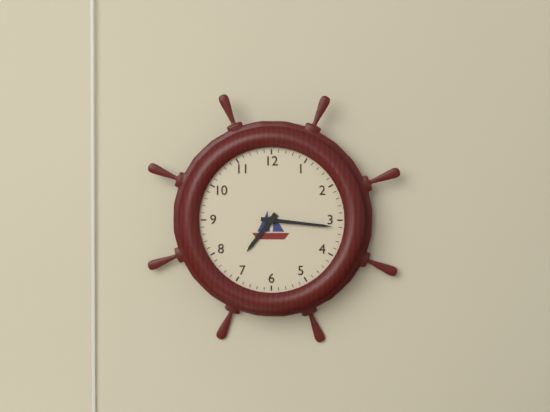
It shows 7,16
